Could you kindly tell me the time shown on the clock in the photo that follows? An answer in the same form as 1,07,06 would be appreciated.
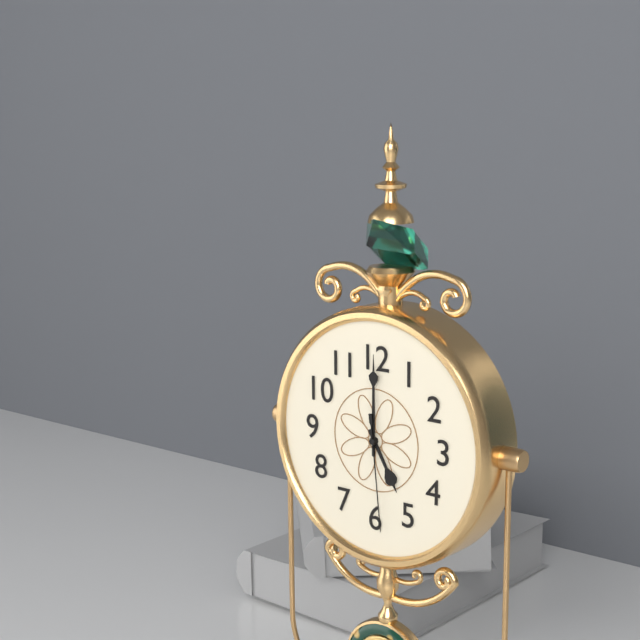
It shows 5,00,29
